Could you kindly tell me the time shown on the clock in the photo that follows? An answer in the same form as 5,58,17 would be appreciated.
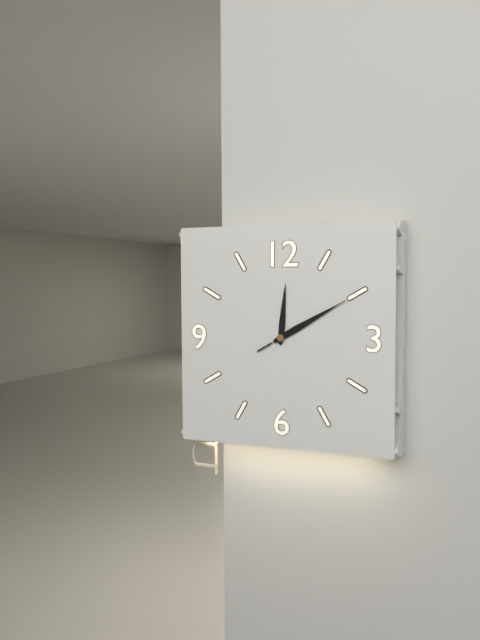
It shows 12,10,10
